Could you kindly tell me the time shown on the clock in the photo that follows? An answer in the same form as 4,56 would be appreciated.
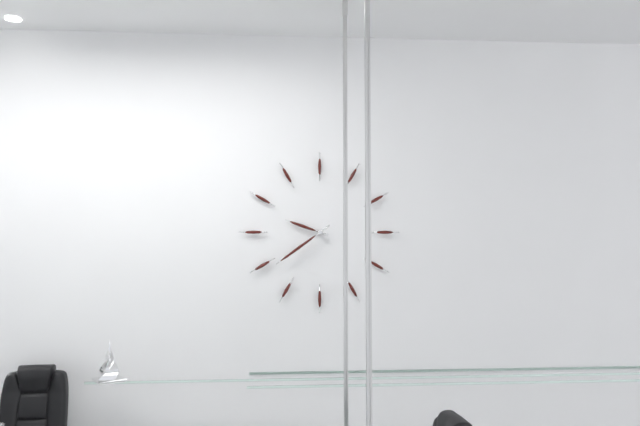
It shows 9,39
